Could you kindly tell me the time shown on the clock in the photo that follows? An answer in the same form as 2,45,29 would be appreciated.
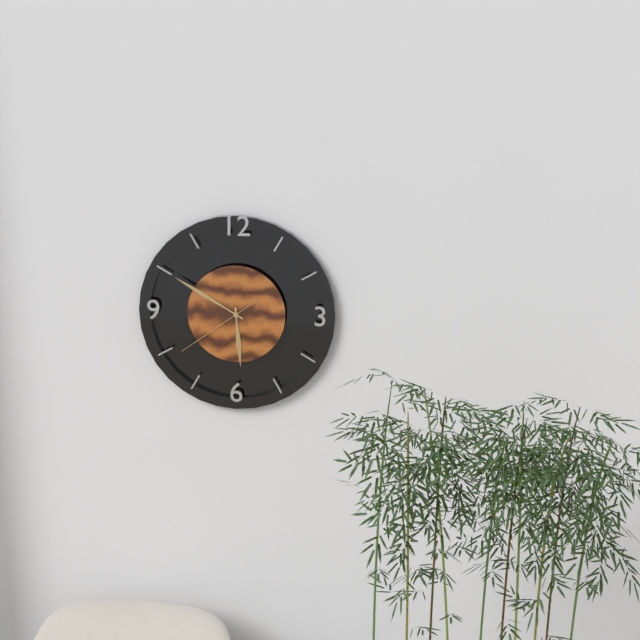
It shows 5,50,39
